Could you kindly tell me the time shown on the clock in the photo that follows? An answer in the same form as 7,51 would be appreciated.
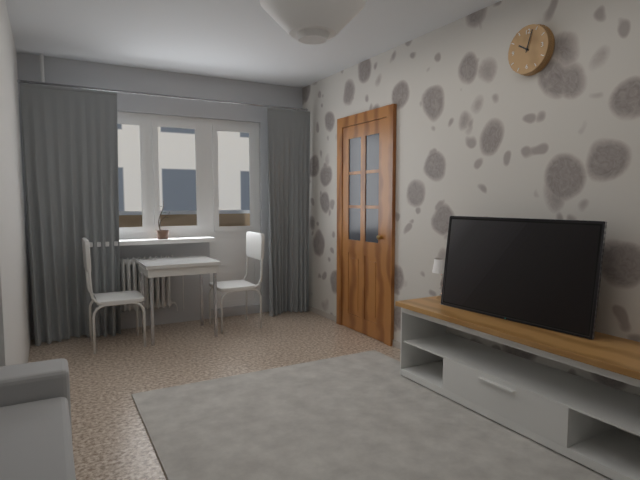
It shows 10,03
